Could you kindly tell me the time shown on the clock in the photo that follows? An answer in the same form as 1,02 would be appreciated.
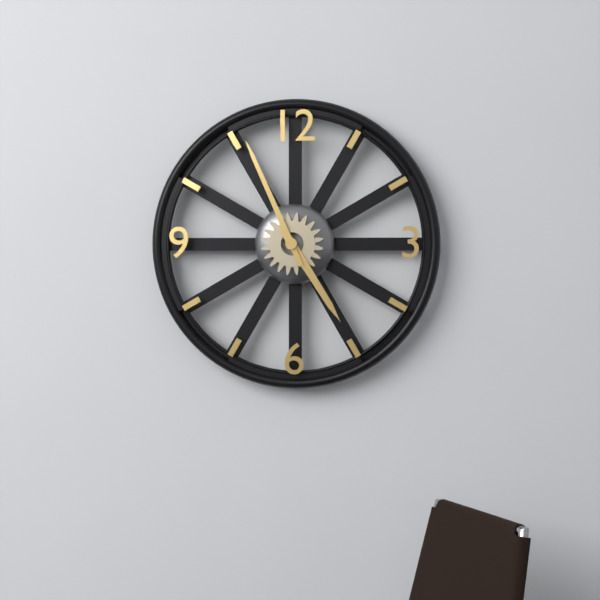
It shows 4,56
